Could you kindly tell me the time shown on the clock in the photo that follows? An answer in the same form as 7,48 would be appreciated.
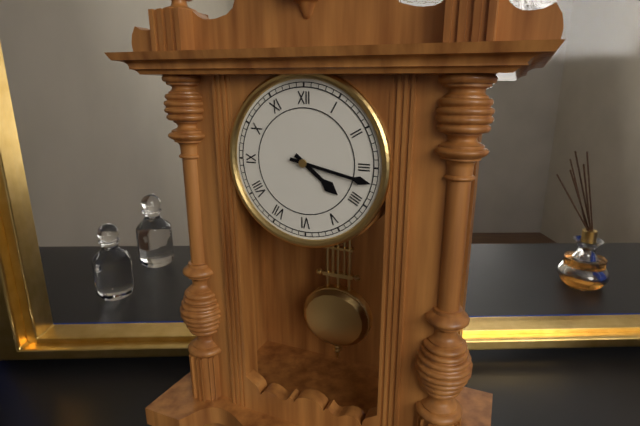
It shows 4,17
